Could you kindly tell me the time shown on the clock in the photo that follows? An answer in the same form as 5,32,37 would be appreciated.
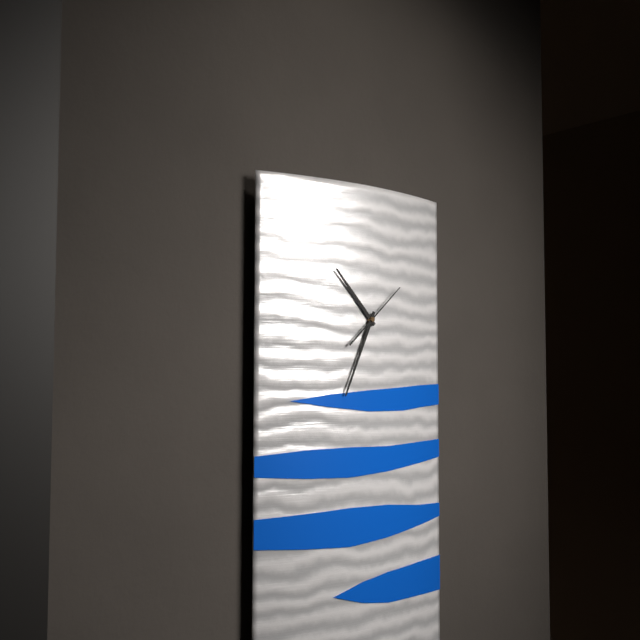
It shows 10,34,08
